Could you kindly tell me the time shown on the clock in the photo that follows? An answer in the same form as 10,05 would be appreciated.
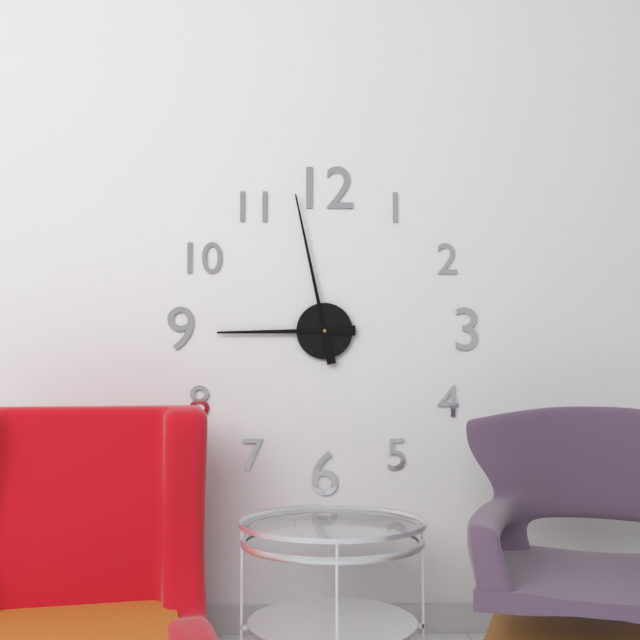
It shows 8,58
